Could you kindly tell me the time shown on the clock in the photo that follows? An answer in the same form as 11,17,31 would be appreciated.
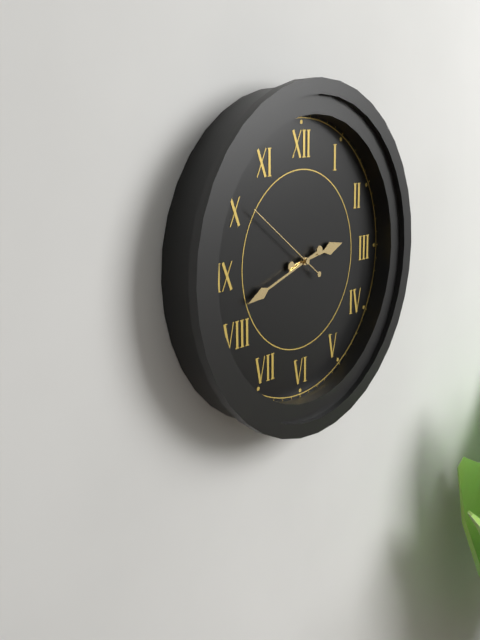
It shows 2,42,51
